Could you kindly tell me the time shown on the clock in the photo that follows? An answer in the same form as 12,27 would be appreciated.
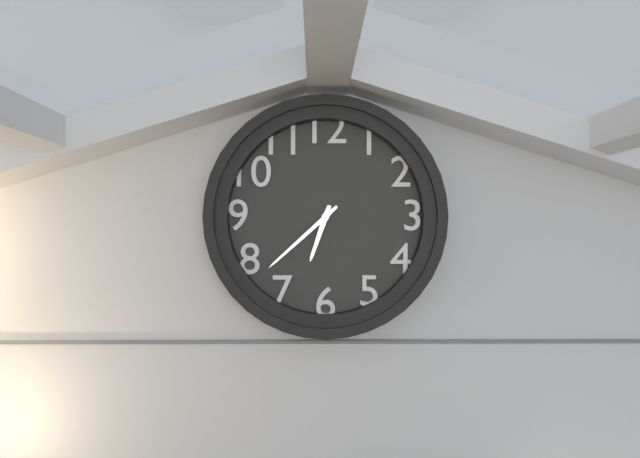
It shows 6,38
